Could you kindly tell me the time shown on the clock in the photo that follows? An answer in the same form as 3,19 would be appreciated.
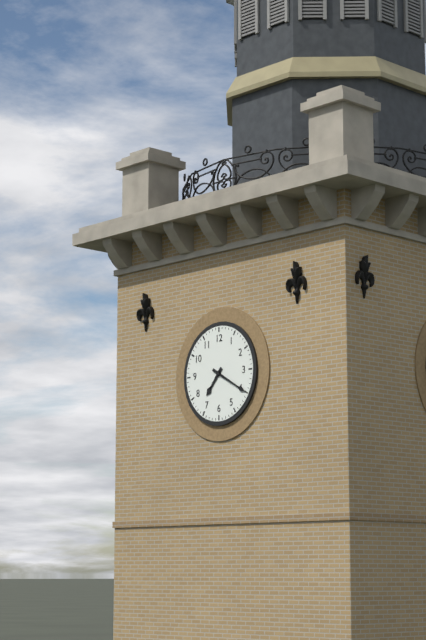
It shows 7,20
